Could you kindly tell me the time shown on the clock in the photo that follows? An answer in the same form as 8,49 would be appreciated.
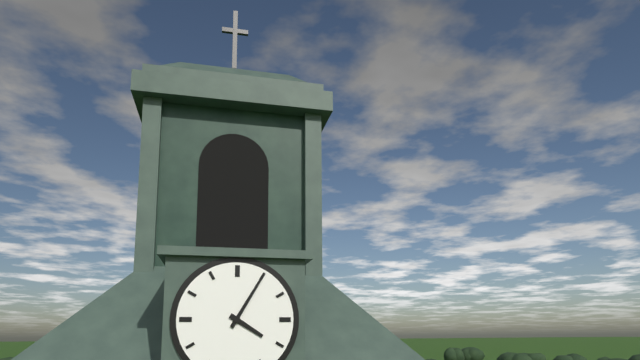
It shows 4,05
